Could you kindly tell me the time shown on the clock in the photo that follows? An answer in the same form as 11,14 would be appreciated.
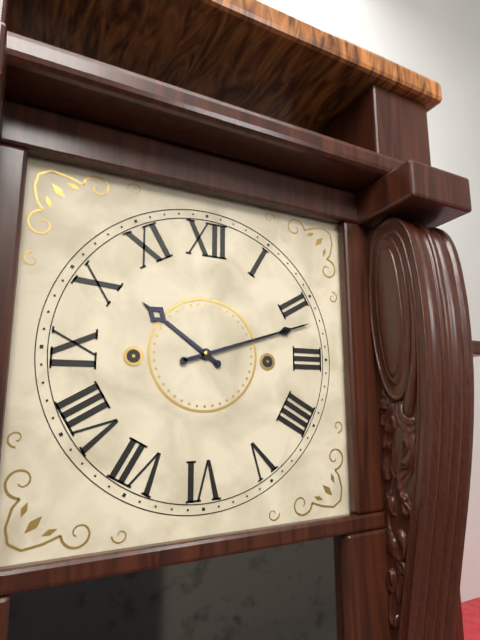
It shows 10,12
